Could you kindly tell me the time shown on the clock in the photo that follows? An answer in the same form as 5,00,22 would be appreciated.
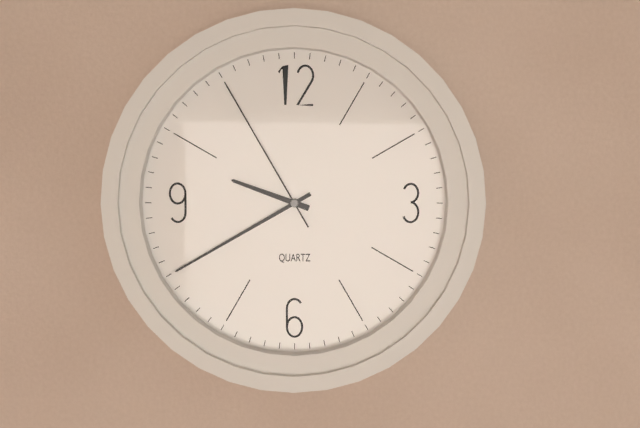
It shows 9,40,55
